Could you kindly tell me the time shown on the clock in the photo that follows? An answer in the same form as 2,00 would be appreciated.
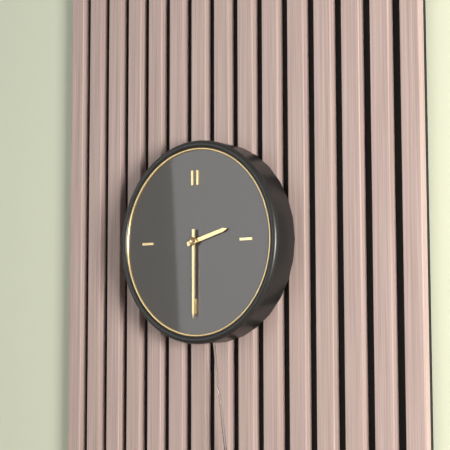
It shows 2,30
